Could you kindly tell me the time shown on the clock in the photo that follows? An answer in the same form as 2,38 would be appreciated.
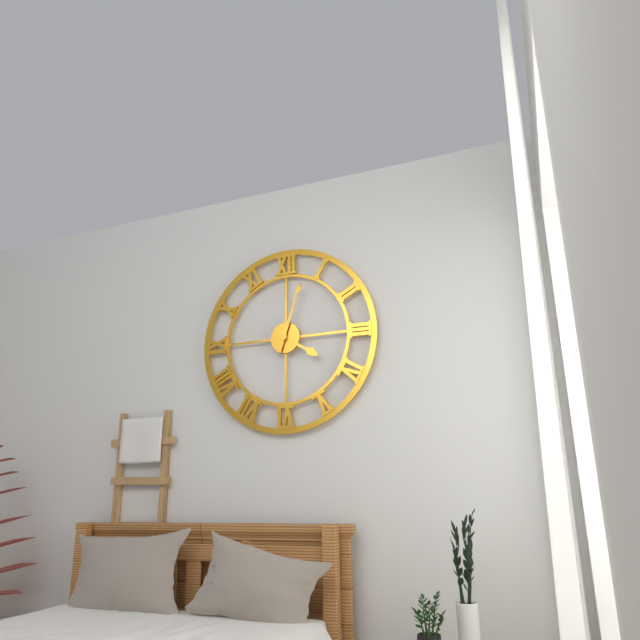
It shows 4,03
